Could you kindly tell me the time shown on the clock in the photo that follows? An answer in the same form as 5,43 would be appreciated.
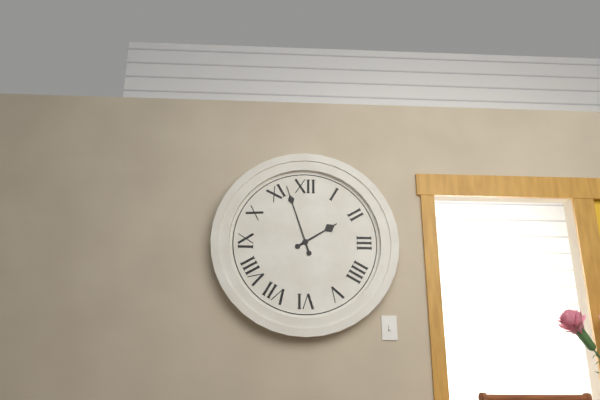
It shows 1,57
